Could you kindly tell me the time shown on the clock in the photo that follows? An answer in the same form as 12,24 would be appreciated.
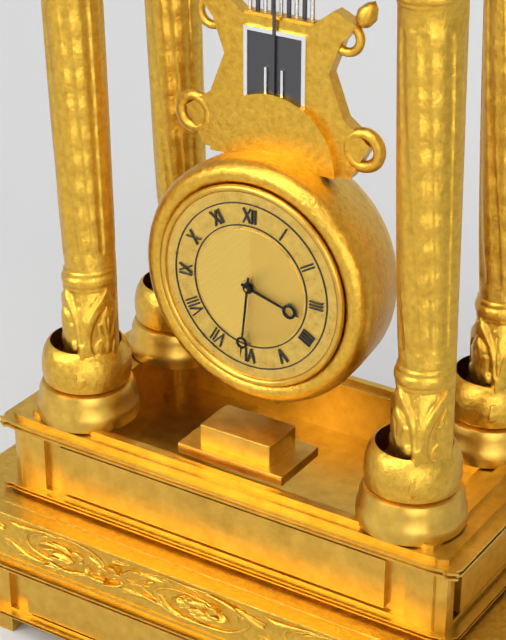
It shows 3,31
